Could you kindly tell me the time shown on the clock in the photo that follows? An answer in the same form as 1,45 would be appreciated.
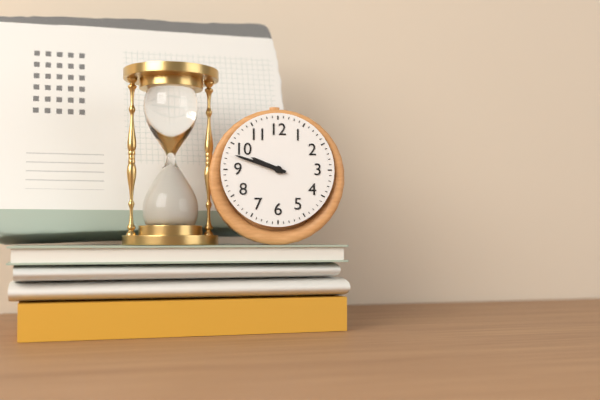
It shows 9,48
